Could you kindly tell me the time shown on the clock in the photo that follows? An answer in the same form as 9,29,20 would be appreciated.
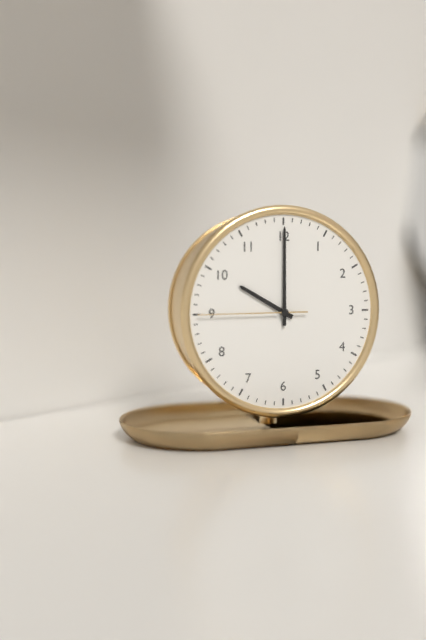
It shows 10,00,45
